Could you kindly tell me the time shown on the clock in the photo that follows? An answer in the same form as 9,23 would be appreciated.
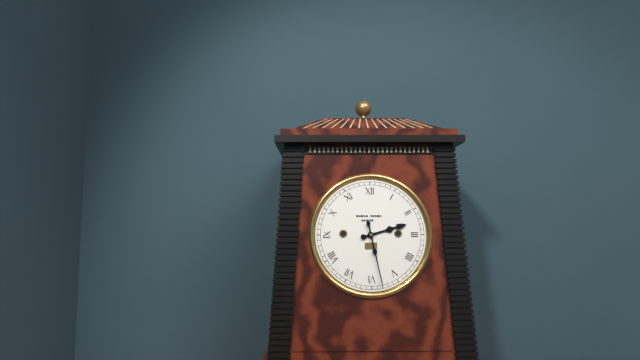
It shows 2,28
